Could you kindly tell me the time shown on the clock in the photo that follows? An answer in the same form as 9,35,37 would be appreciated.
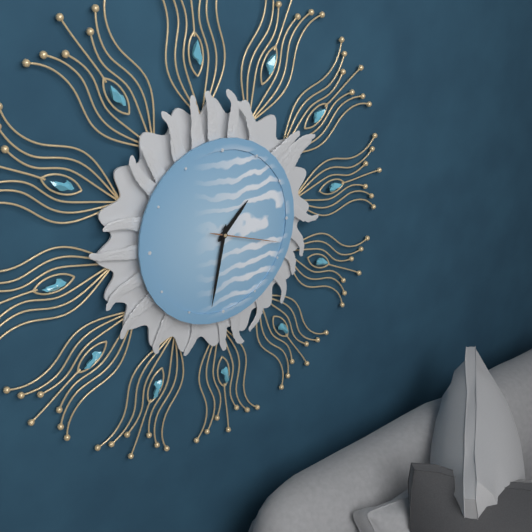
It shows 1,32,18
